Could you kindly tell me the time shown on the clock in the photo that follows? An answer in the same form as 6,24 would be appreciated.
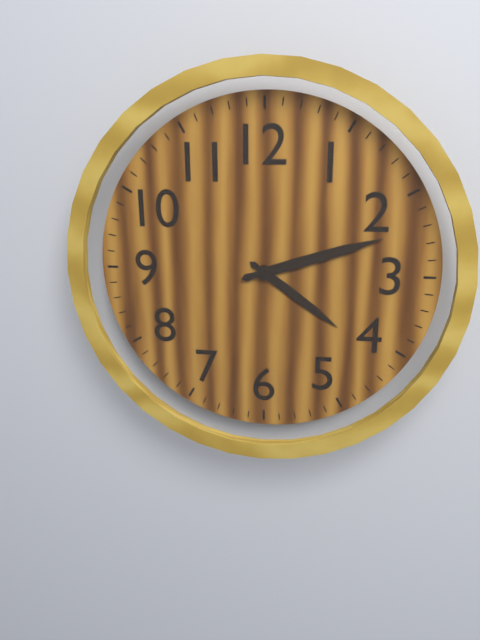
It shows 4,12
